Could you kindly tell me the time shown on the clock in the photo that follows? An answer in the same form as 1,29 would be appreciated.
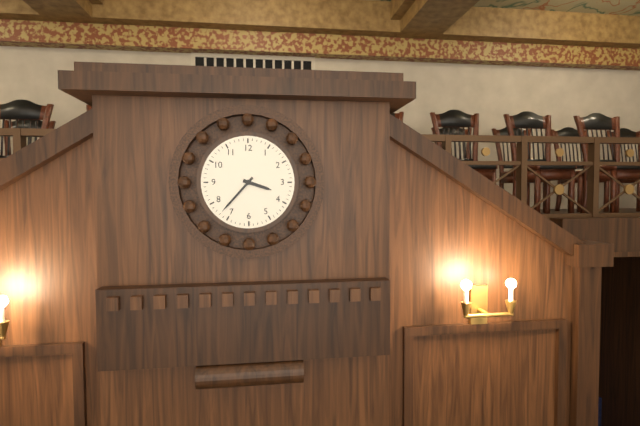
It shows 3,37
